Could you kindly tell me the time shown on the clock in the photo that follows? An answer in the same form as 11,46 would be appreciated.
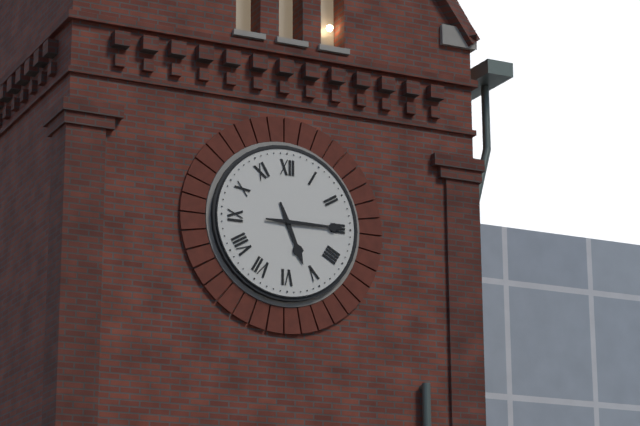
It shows 5,15
